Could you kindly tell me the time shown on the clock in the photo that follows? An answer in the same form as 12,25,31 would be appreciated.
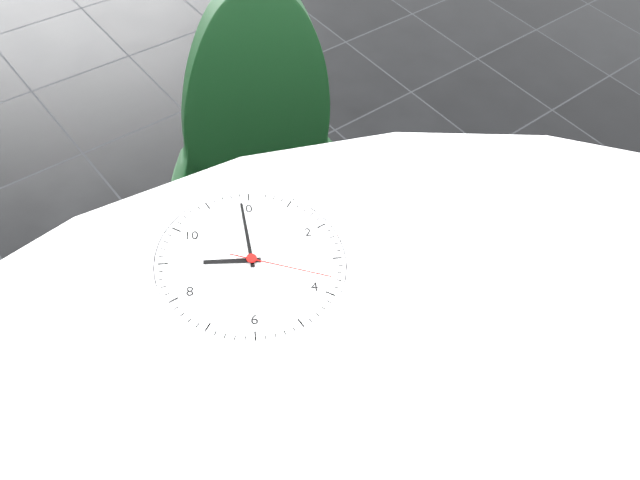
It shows 8,59,18
